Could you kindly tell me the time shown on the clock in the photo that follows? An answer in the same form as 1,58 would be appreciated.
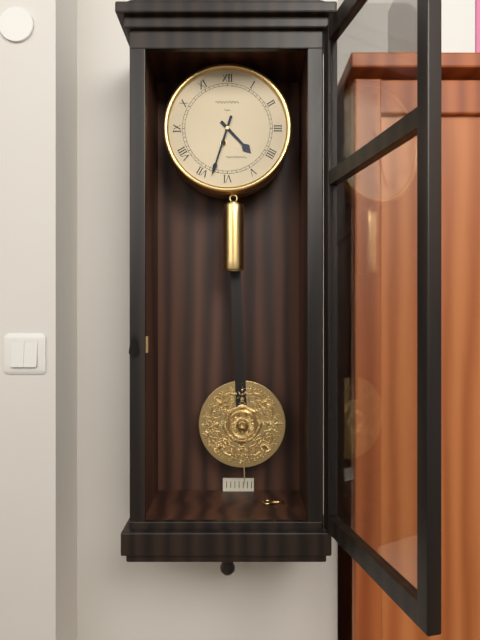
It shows 4,33
